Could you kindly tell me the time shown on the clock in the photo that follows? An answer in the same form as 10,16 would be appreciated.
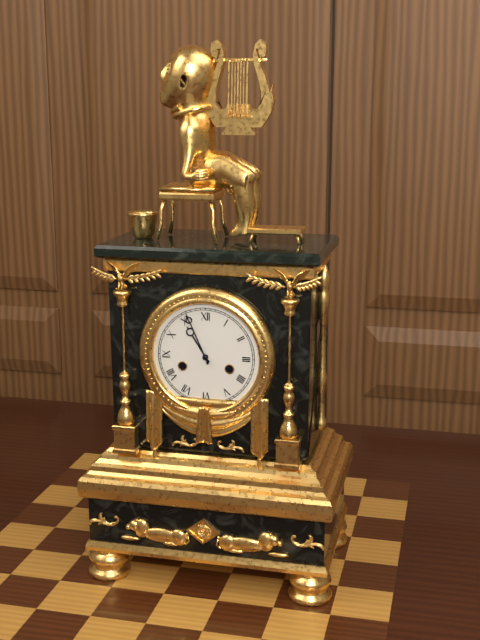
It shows 10,56
